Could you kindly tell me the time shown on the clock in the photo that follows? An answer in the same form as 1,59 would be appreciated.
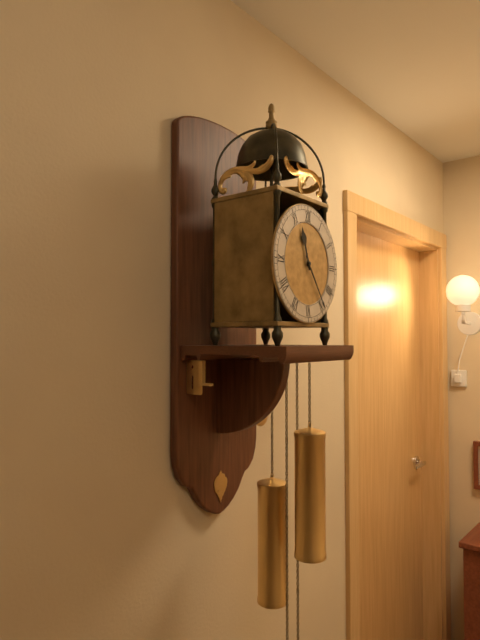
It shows 11,24
